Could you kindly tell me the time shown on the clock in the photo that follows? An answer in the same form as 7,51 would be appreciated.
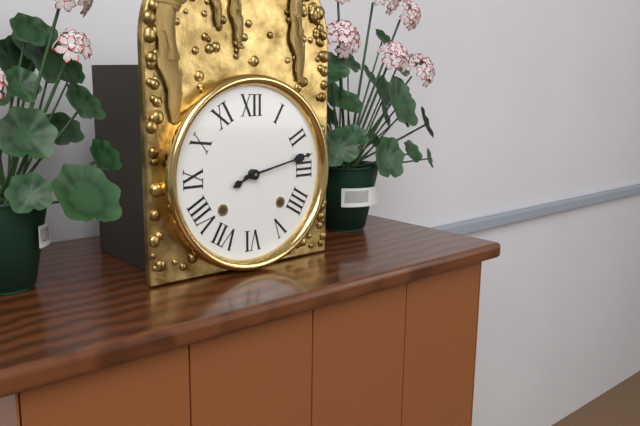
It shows 8,13
